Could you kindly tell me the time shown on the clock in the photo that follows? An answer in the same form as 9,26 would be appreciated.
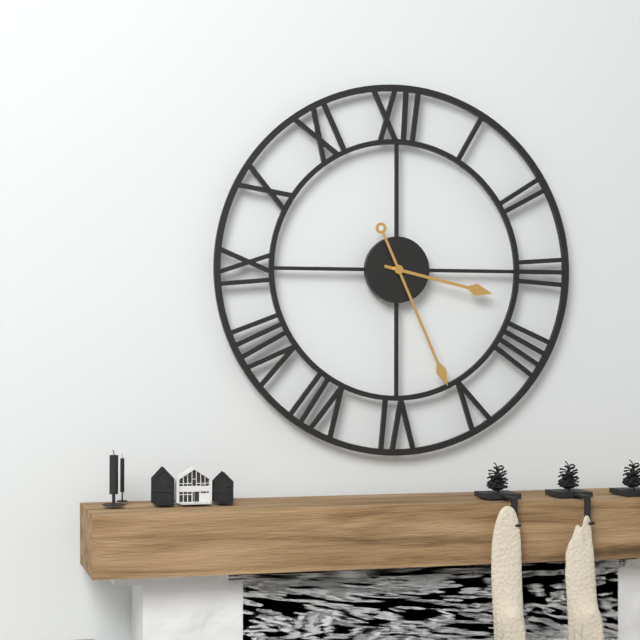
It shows 3,26
